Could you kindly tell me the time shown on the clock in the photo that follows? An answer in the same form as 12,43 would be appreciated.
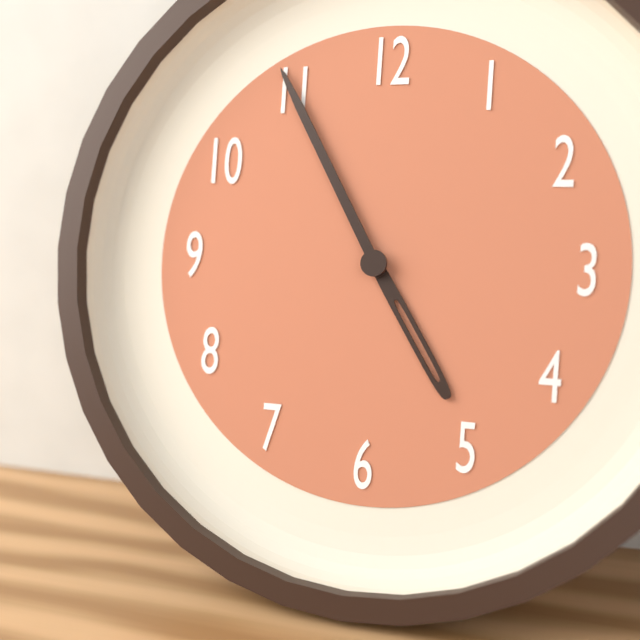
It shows 4,55
